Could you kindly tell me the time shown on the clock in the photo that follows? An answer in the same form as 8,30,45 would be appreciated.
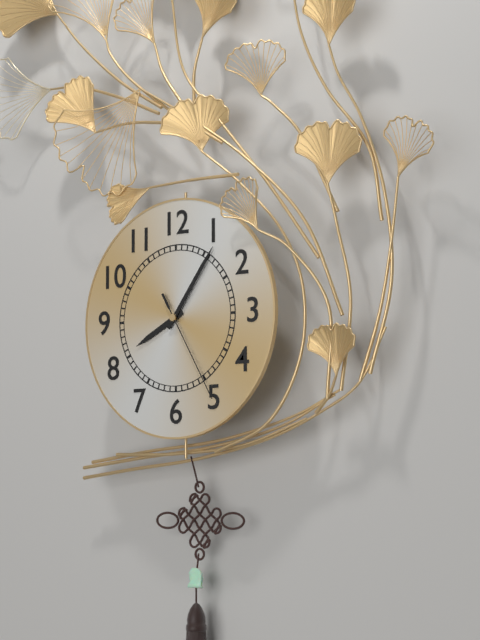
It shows 8,06,25
